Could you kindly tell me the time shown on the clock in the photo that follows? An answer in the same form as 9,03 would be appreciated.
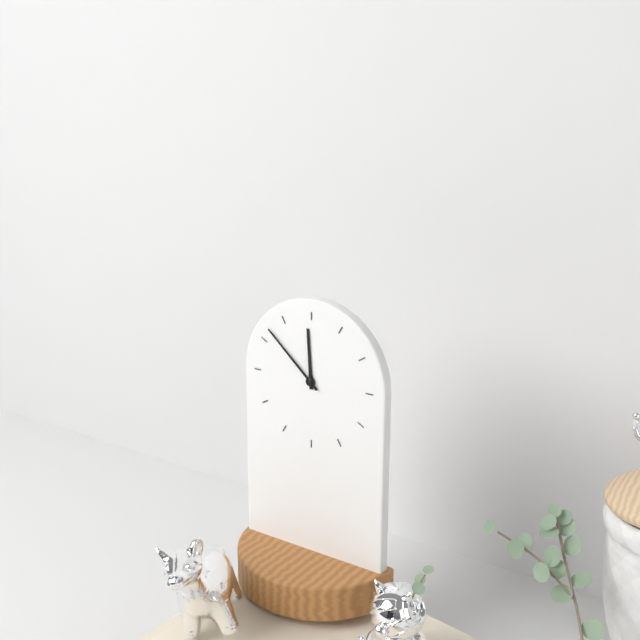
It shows 11,52
